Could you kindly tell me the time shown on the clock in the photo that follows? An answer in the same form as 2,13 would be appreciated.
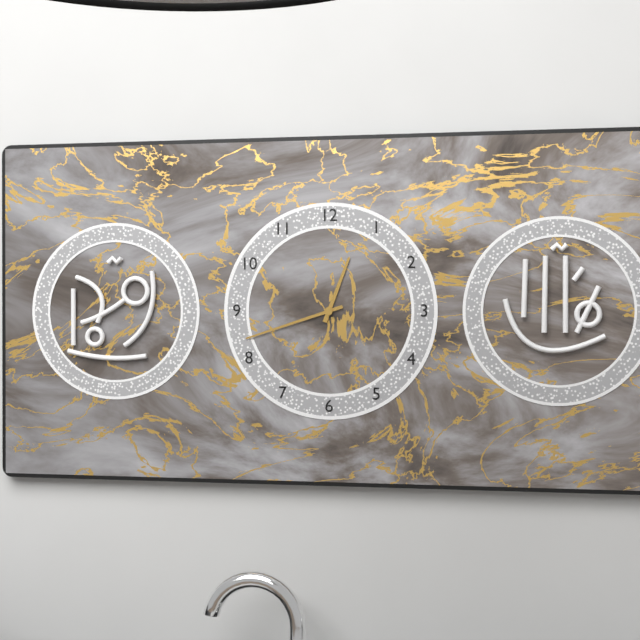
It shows 12,42
